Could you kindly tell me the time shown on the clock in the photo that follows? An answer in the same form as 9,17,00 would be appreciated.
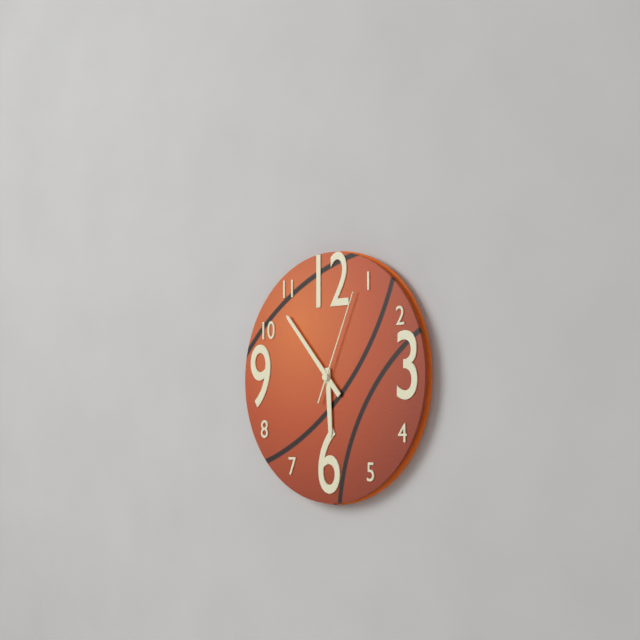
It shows 5,53,04
